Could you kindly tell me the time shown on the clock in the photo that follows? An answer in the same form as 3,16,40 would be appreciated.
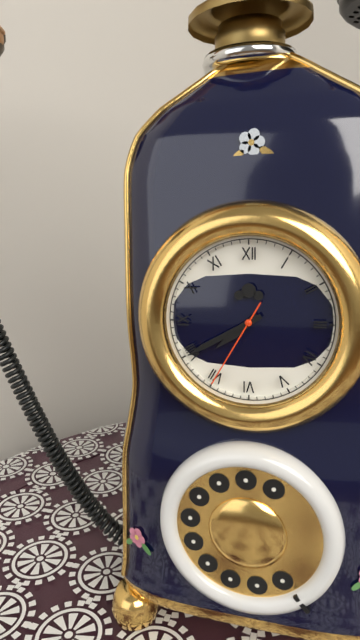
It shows 7,40,35
